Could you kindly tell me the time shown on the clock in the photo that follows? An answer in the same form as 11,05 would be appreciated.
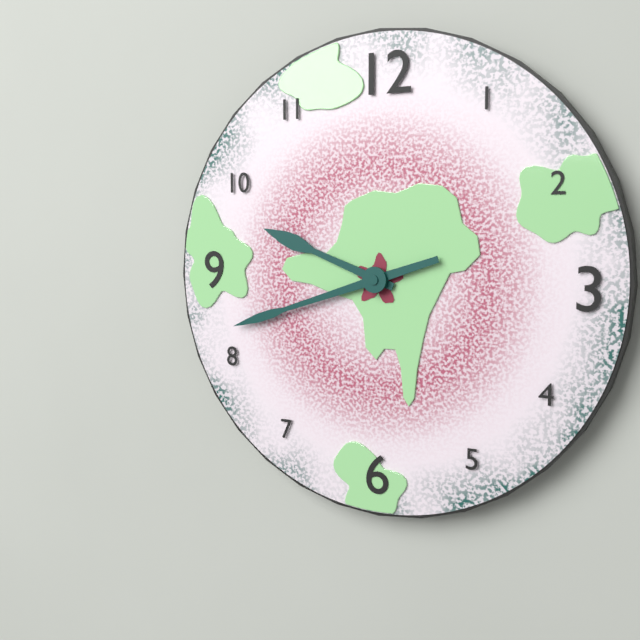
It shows 9,42
